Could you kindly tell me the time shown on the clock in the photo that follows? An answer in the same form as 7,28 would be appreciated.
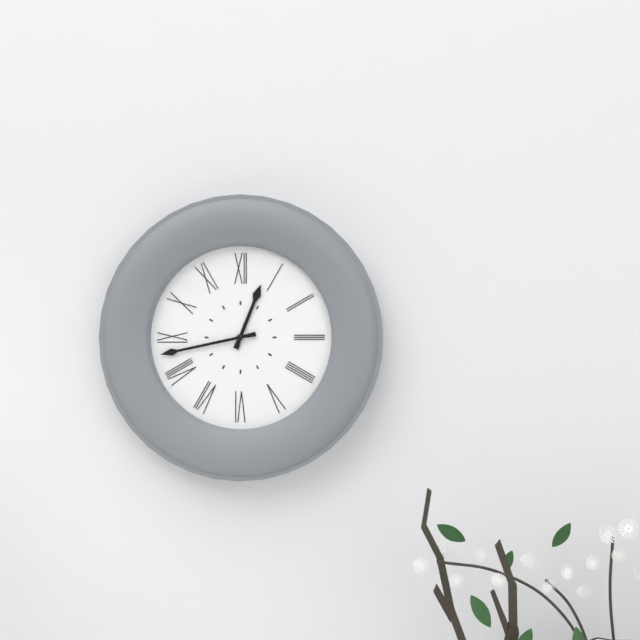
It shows 12,43
